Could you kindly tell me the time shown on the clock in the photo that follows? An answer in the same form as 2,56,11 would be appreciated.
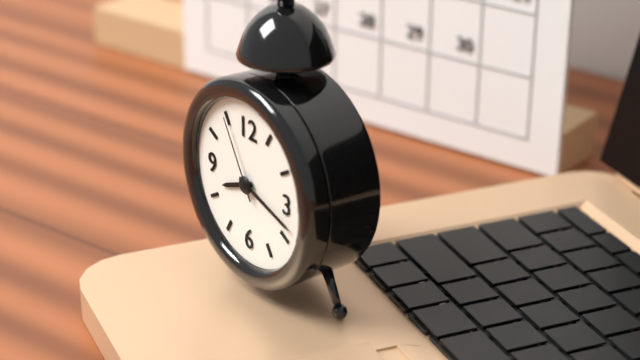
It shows 8,18,55
